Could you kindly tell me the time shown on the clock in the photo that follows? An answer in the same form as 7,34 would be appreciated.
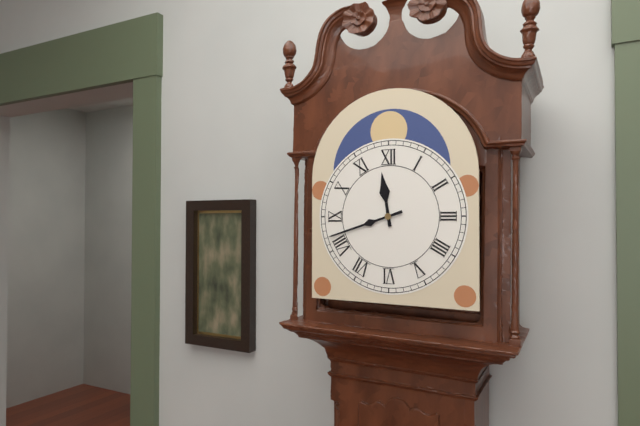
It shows 11,42
